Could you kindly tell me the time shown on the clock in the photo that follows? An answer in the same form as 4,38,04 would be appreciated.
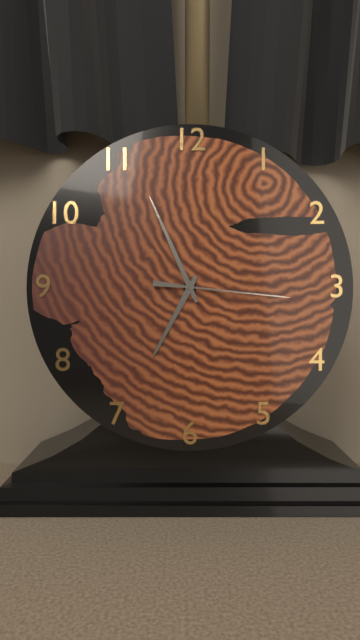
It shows 6,56,16
